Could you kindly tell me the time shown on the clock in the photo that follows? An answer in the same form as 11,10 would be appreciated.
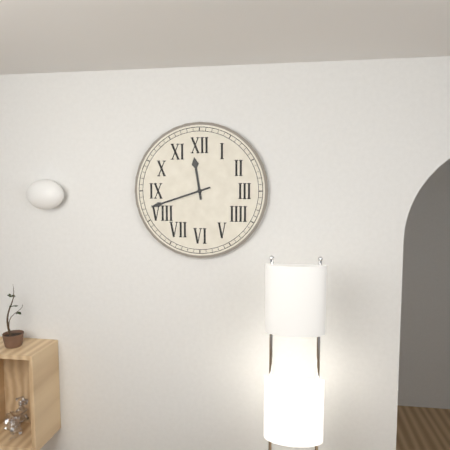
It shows 11,42
